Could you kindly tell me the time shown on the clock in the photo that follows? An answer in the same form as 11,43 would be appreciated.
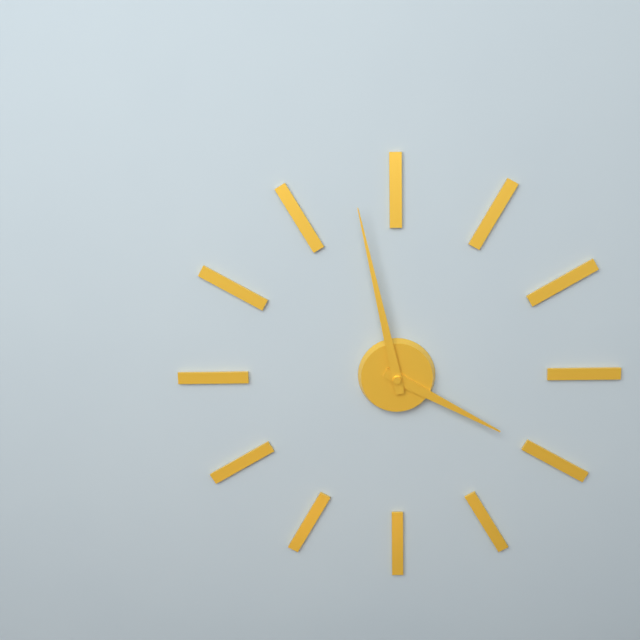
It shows 3,58
